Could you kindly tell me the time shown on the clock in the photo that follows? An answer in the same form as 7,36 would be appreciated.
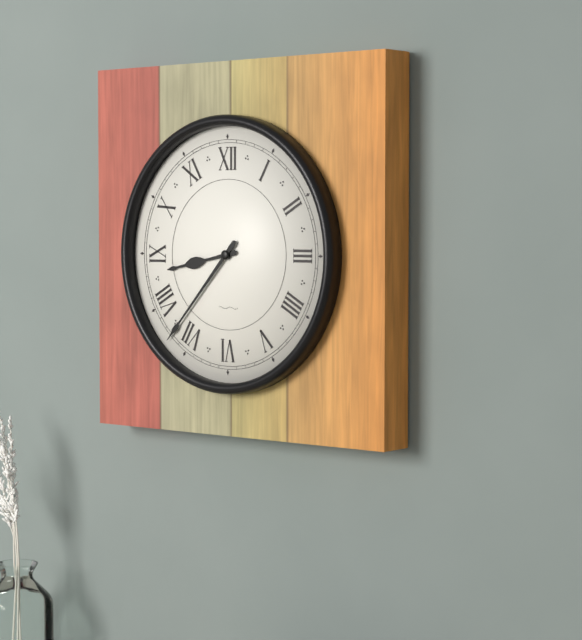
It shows 8,37
